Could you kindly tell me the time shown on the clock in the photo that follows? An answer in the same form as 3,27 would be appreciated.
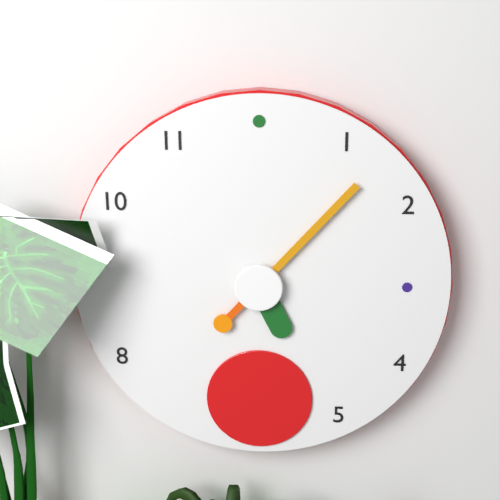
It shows 5,07
